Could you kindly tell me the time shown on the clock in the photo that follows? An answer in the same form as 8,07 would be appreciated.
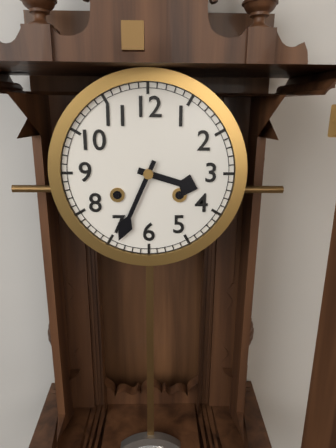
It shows 3,34
